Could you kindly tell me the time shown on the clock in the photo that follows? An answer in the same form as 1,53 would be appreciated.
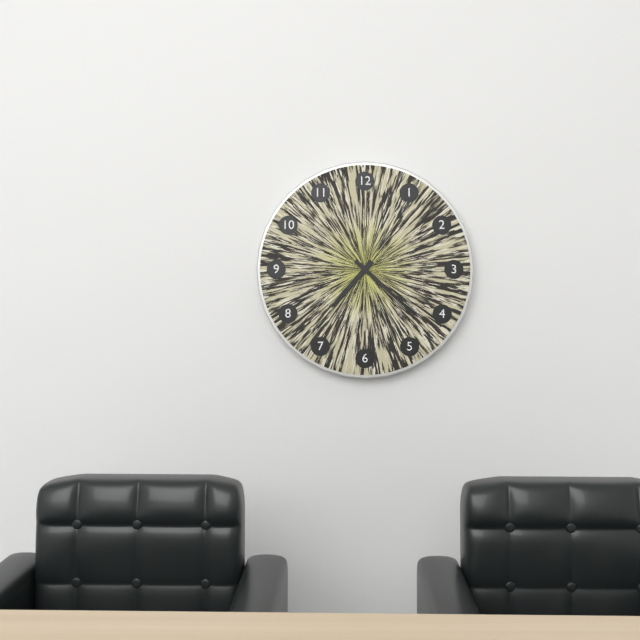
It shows 7,22
